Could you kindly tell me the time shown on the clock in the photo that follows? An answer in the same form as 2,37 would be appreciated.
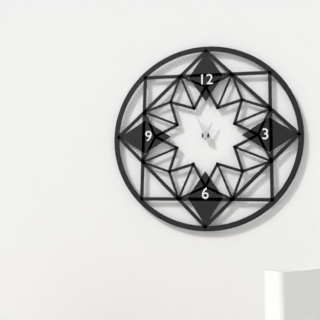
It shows 12,56
